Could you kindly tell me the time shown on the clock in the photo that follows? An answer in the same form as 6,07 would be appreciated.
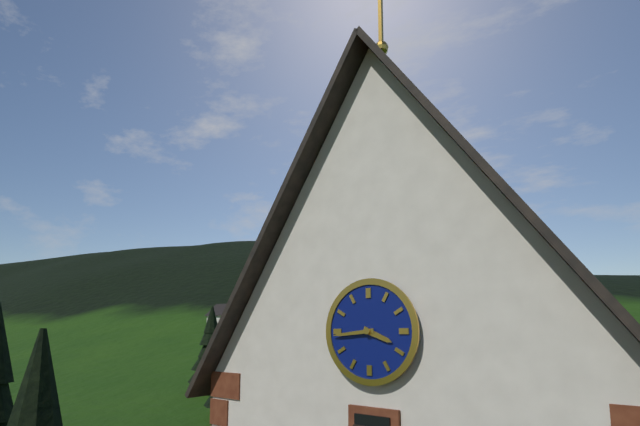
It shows 3,44
